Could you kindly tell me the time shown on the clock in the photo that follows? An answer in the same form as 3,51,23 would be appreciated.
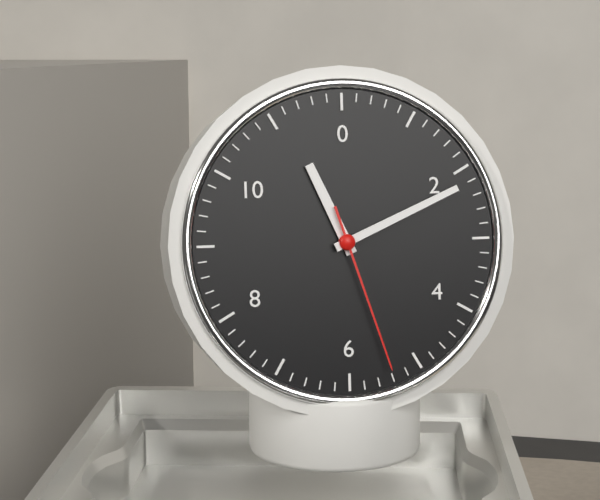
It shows 11,11,27
